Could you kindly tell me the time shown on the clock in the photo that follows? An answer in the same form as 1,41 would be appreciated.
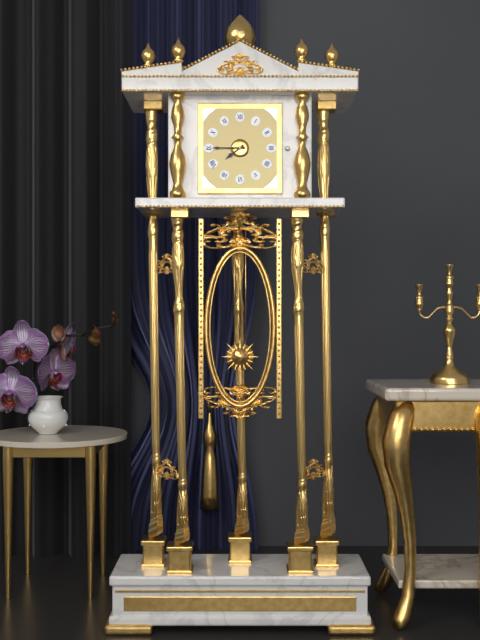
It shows 7,45
